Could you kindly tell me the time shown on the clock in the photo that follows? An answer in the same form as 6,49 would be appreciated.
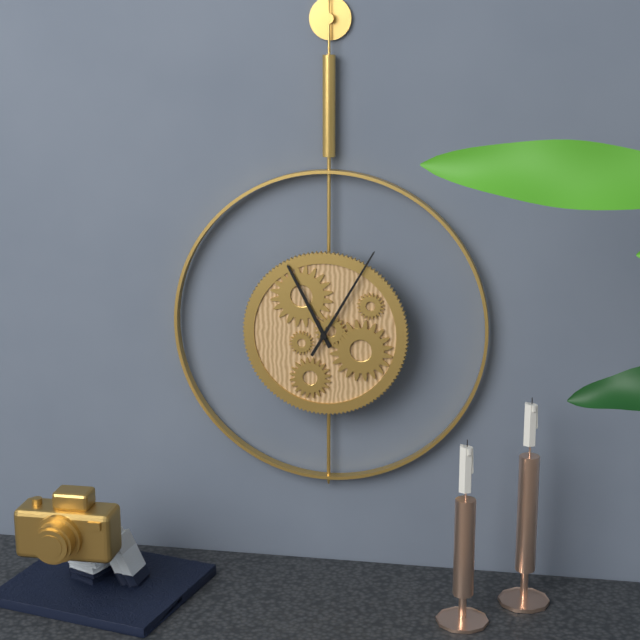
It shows 11,05
